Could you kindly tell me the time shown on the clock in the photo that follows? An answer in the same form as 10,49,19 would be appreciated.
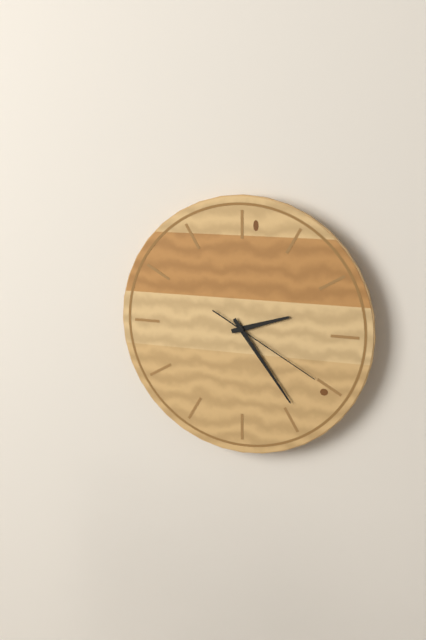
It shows 2,24,20
